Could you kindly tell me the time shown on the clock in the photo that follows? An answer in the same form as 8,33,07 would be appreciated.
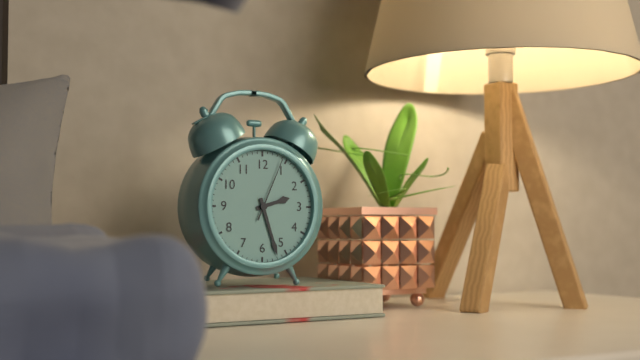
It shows 2,27,04
